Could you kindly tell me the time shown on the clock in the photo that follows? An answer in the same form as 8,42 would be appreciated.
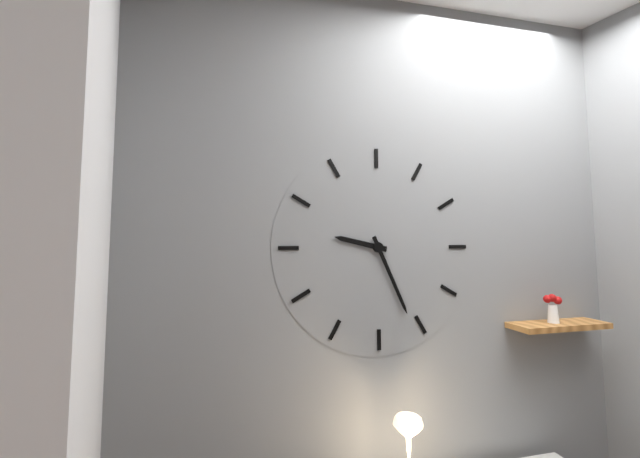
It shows 9,26
